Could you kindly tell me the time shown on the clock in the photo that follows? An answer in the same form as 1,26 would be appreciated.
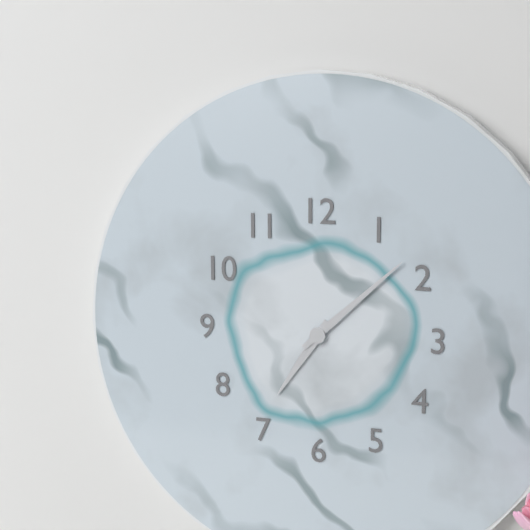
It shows 7,08
